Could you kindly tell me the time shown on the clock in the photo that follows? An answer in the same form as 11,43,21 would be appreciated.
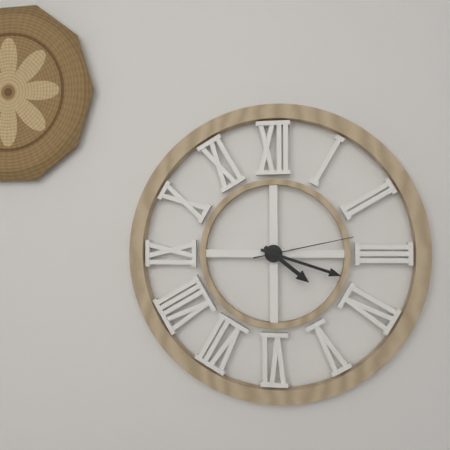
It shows 4,18,13
